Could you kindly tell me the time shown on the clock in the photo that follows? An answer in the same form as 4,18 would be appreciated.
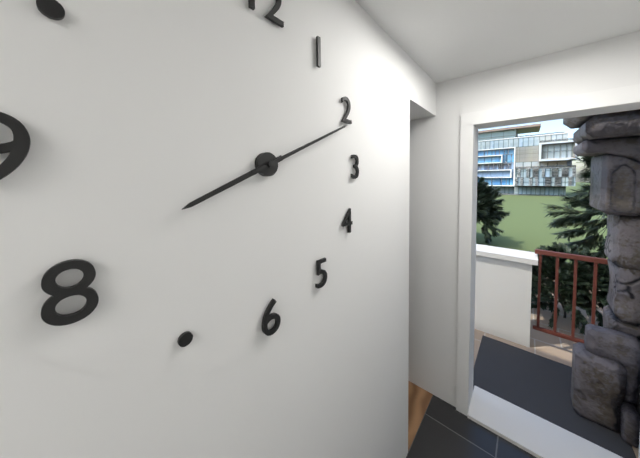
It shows 8,11
